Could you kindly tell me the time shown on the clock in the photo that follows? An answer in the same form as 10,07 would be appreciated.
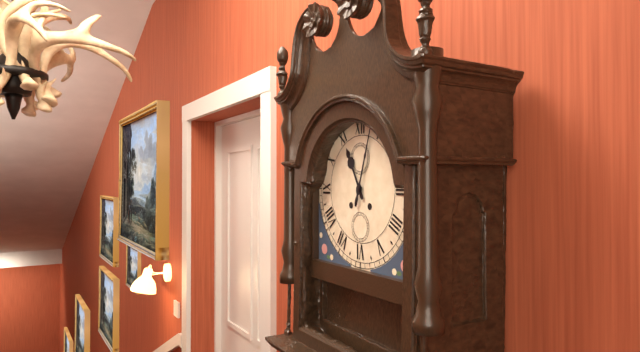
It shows 11,03
